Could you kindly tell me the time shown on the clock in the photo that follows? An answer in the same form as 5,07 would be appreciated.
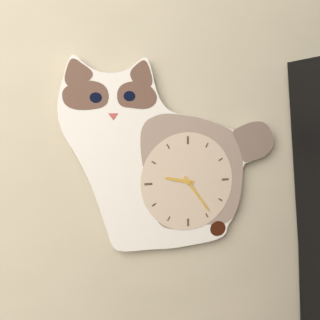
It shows 9,24
